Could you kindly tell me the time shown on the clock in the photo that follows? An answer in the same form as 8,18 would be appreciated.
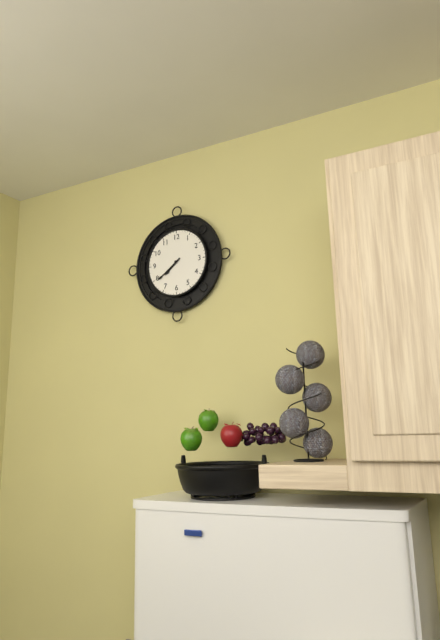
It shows 7,39
